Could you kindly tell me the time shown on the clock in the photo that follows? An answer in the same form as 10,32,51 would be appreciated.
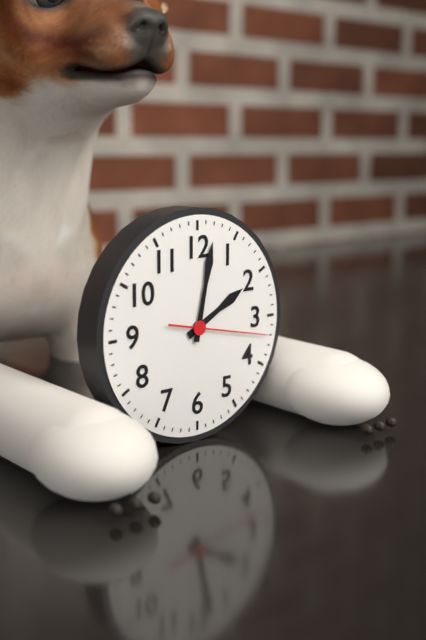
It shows 2,02,17
